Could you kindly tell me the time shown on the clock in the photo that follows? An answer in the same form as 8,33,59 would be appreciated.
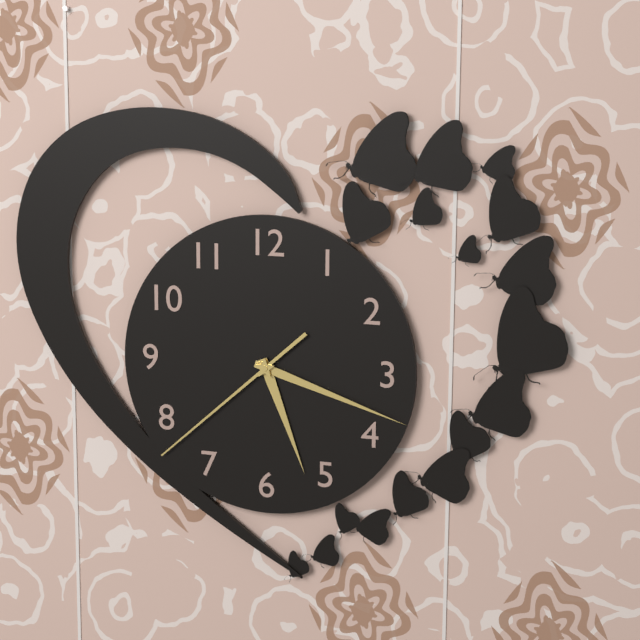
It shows 5,18,38
